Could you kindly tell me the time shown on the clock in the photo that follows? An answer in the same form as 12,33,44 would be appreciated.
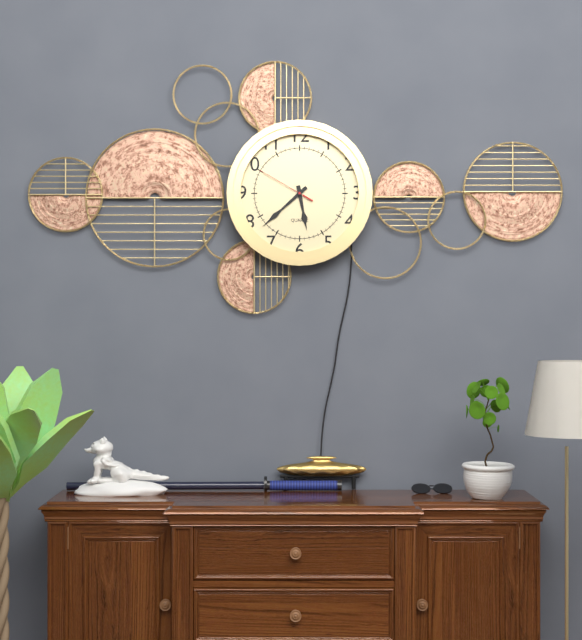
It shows 5,38,50
